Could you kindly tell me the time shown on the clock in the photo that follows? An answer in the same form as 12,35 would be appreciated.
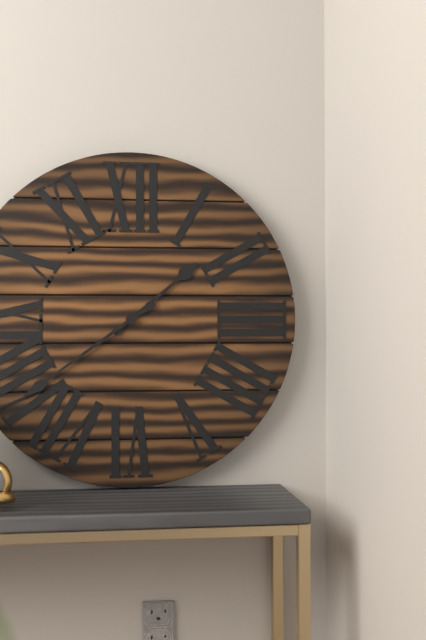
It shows 1,39
